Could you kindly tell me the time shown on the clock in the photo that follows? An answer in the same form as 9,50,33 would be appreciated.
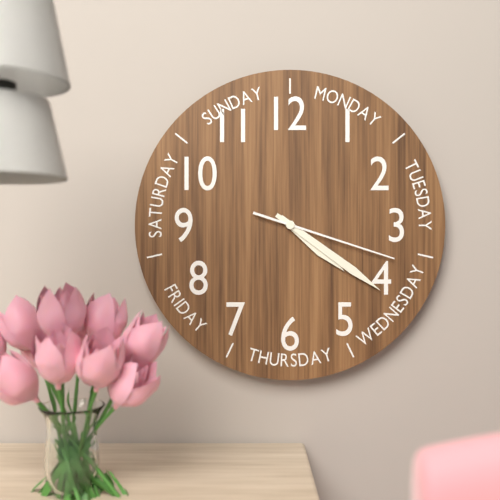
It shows 4,21,18
